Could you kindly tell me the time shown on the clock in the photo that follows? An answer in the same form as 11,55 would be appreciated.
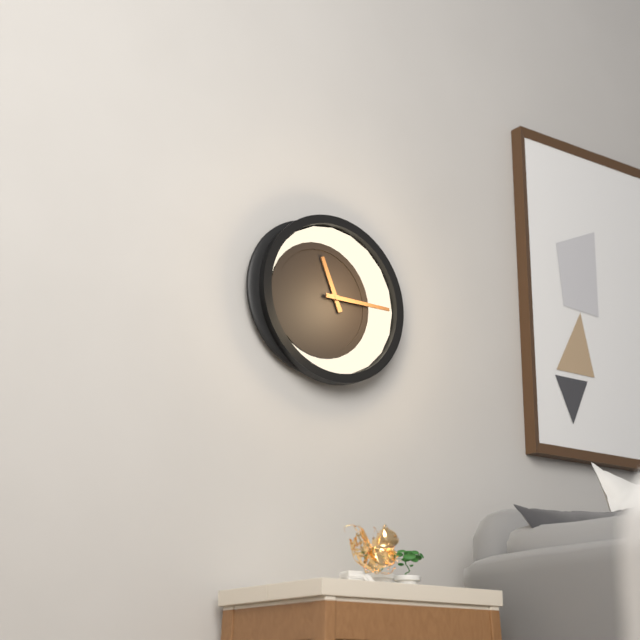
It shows 11,15
